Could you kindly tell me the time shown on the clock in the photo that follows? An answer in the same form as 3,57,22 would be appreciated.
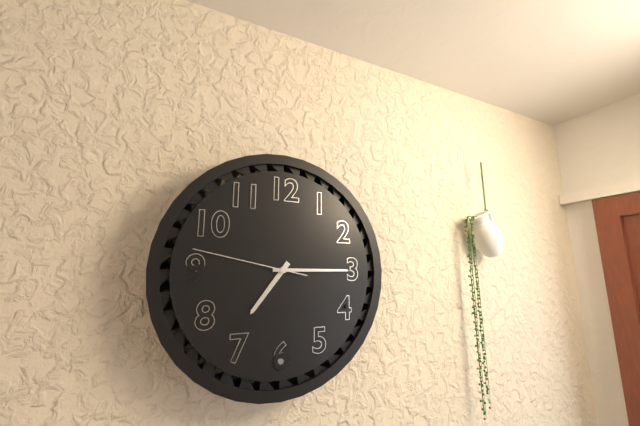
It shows 7,15,47
